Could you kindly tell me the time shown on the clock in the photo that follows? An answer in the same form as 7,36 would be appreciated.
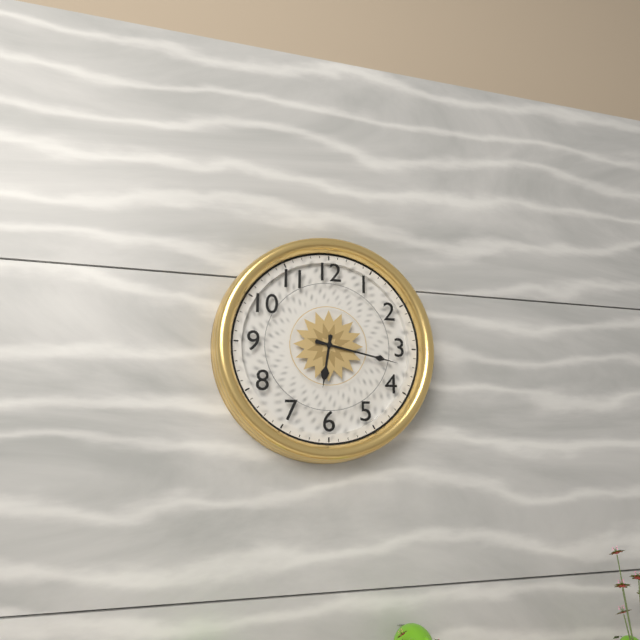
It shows 6,17
